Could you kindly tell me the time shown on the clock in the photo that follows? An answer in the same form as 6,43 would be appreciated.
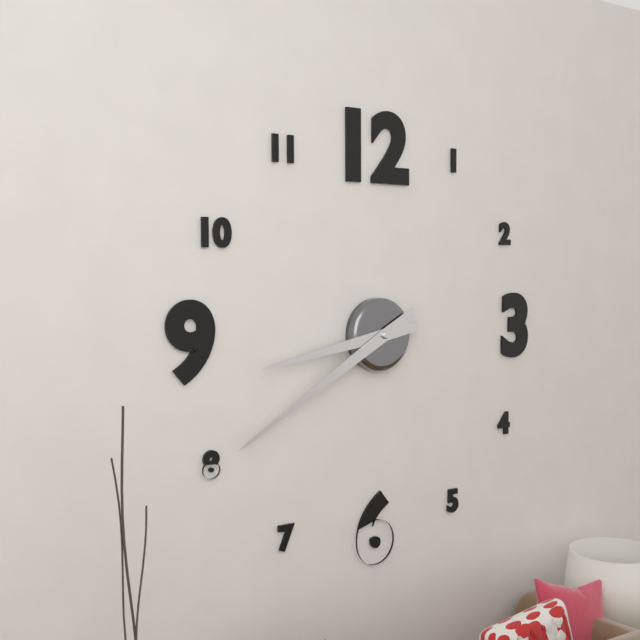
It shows 8,40
